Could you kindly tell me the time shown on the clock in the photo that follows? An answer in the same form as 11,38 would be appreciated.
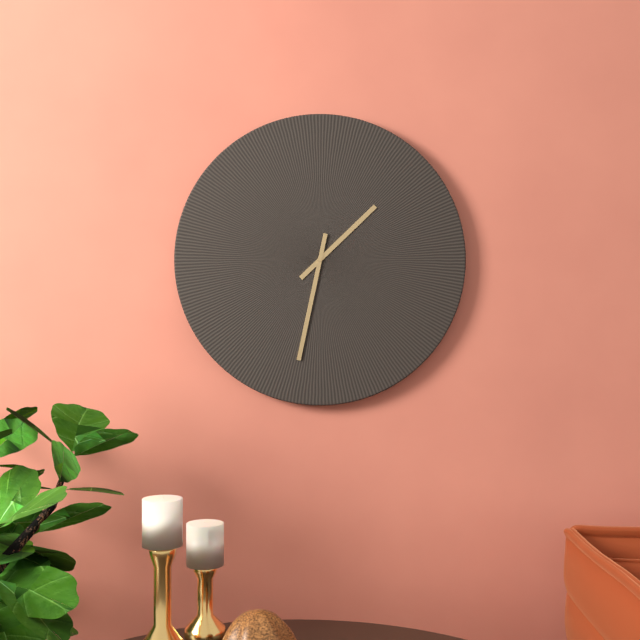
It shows 1,32
